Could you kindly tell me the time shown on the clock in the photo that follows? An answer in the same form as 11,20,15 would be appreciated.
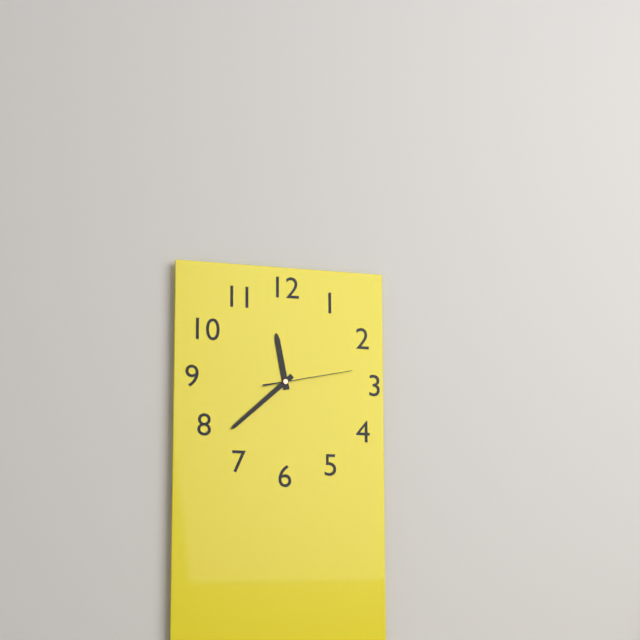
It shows 11,38,13
